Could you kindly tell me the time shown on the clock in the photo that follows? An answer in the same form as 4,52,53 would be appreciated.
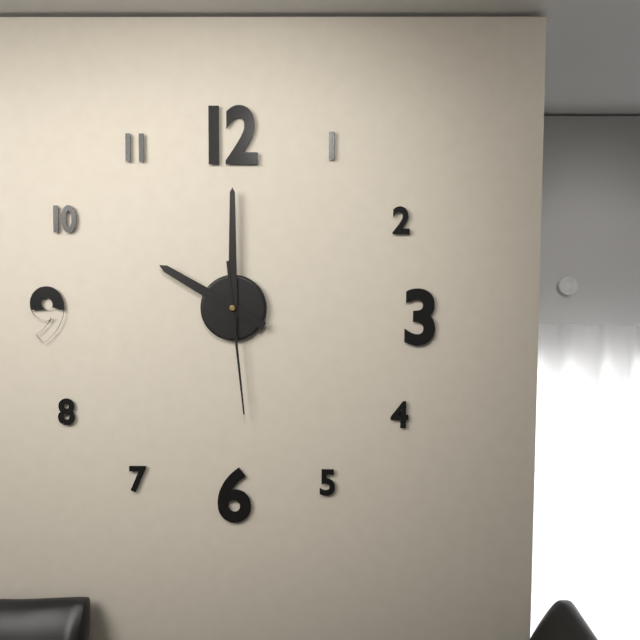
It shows 10,00,29
